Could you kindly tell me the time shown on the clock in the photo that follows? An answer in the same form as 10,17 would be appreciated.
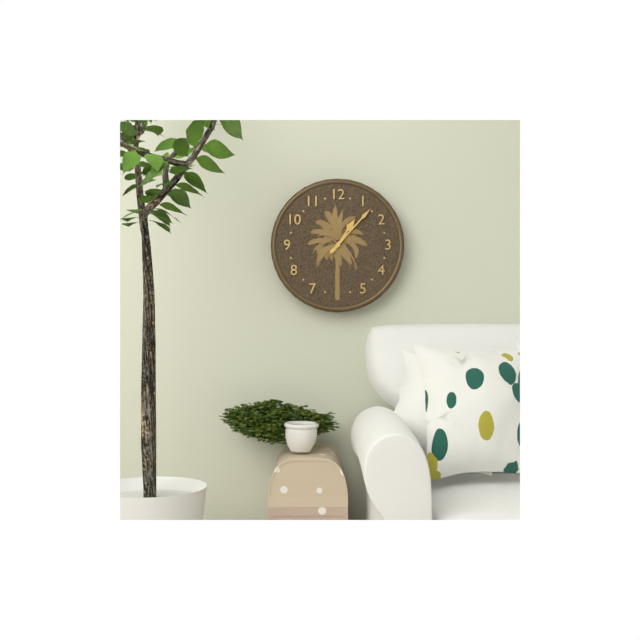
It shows 1,07
